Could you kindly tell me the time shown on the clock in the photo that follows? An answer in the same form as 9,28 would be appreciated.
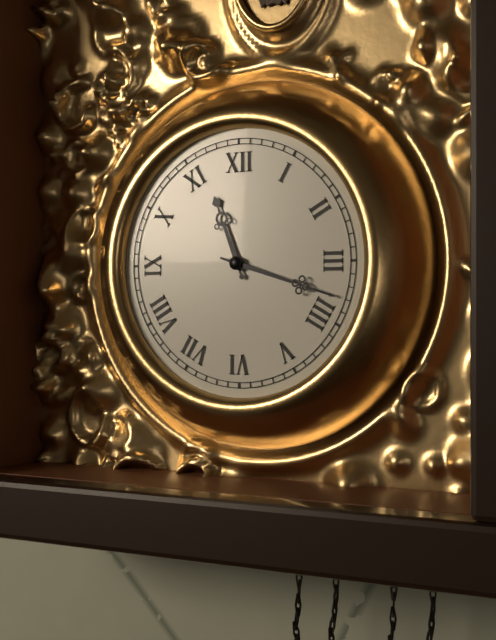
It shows 11,18
